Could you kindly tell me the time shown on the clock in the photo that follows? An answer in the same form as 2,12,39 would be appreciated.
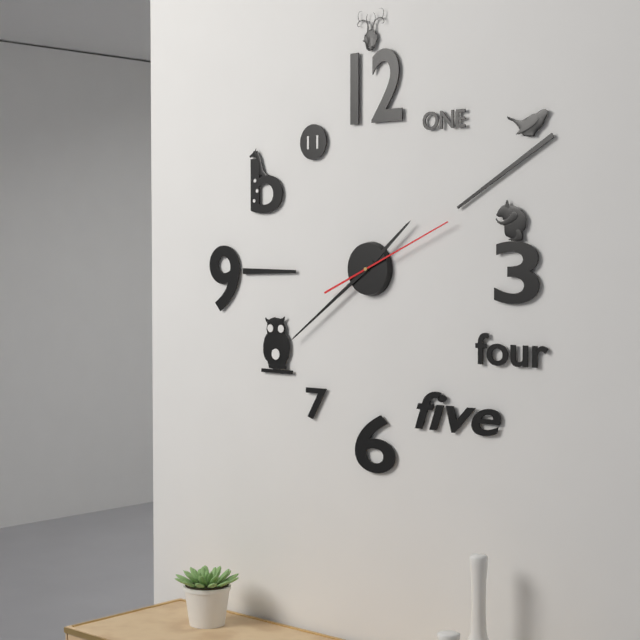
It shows 1,39,11
